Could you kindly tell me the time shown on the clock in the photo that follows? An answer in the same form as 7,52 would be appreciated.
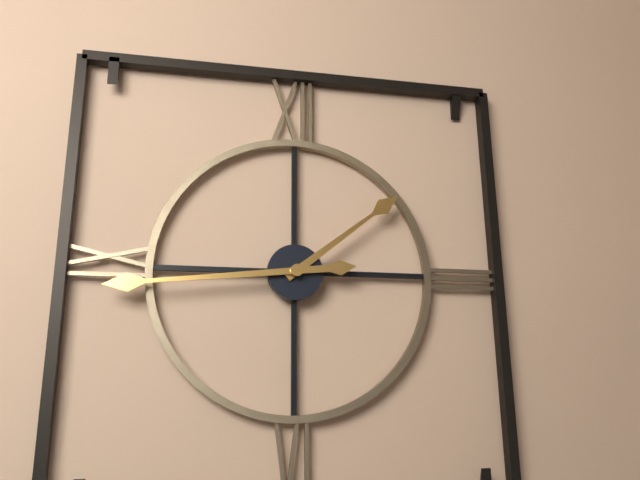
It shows 1,44
